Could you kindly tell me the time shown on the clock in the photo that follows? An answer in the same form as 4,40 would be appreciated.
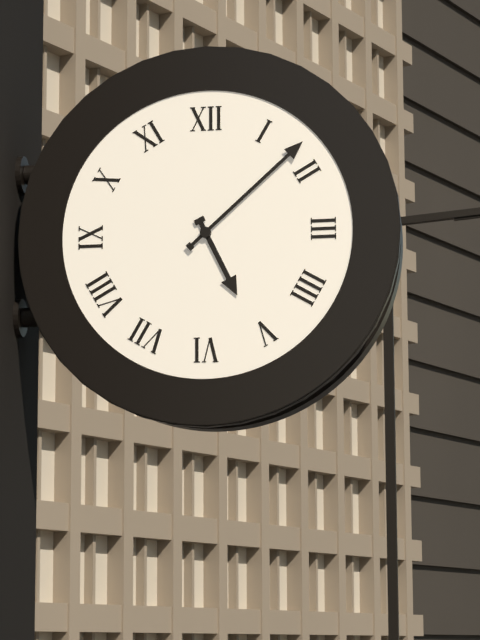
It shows 5,08
